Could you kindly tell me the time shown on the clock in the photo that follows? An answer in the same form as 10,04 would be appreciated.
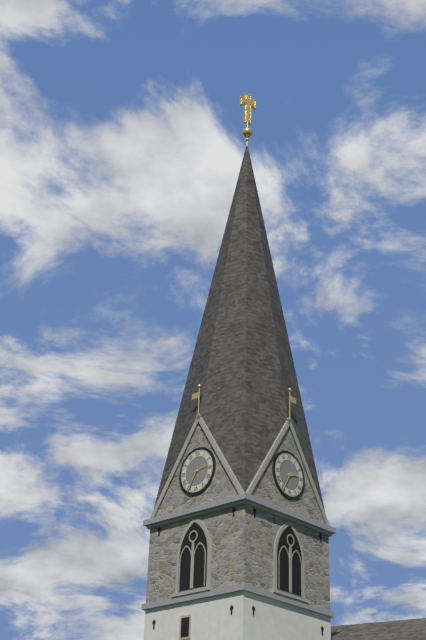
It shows 2,35
